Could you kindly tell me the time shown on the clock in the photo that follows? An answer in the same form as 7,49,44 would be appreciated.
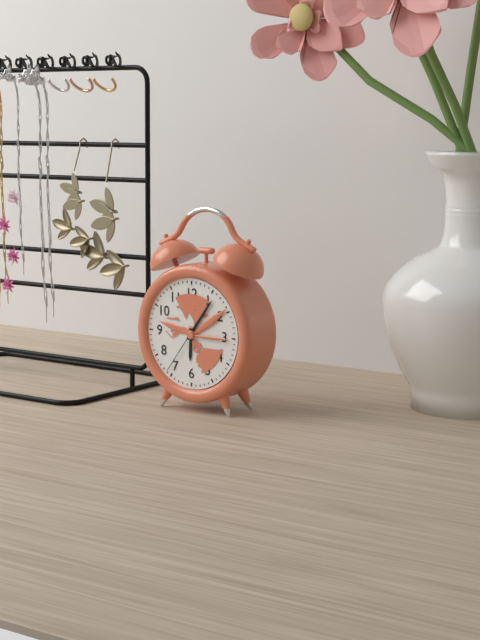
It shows 6,06,36
